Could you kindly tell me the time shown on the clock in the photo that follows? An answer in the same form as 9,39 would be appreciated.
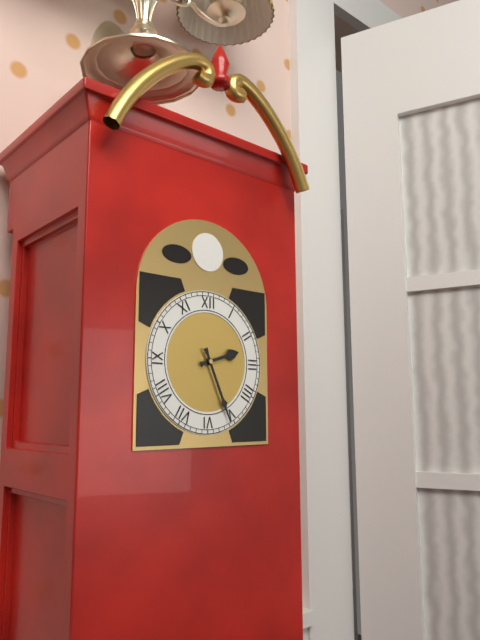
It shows 2,26
